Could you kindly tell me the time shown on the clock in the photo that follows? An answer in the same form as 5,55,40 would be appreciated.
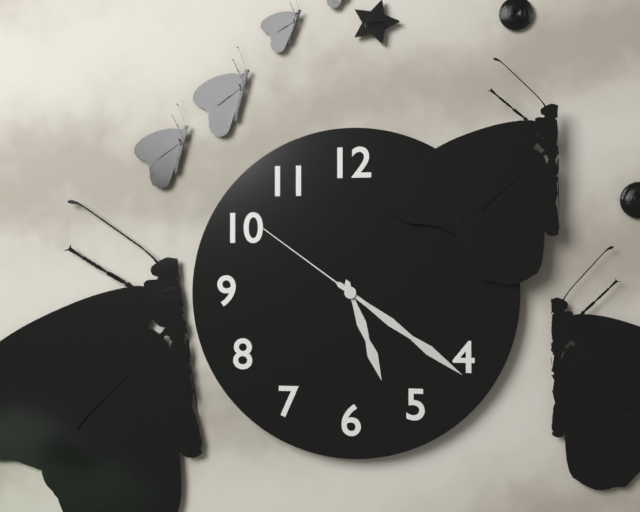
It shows 5,21,51
